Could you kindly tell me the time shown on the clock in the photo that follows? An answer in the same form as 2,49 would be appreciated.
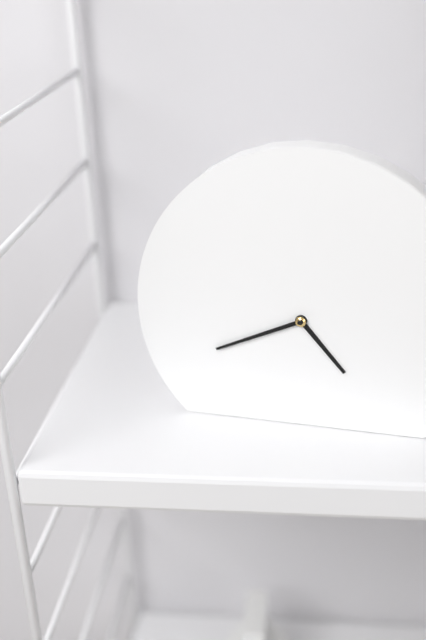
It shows 4,41
